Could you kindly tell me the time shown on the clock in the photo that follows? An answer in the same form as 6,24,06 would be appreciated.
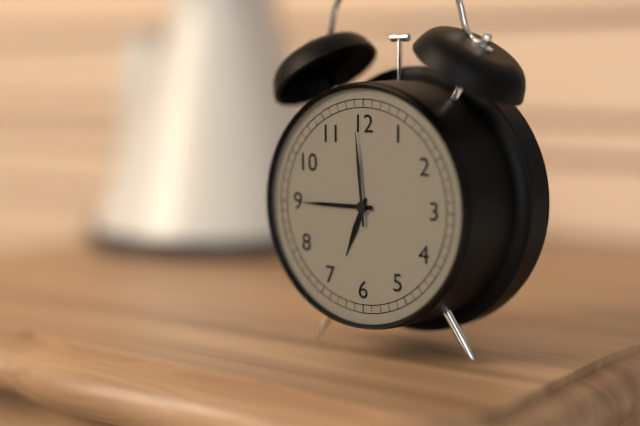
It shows 6,45,59
